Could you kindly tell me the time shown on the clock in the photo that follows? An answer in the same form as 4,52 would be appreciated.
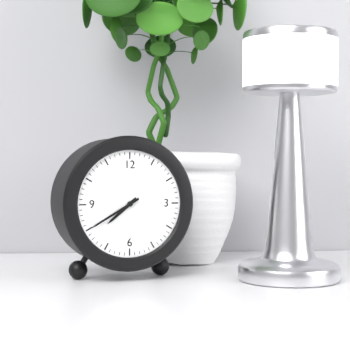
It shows 7,40
